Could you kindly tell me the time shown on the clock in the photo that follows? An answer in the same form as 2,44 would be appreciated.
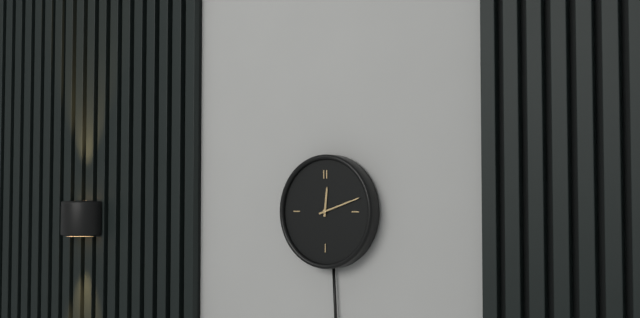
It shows 12,12
